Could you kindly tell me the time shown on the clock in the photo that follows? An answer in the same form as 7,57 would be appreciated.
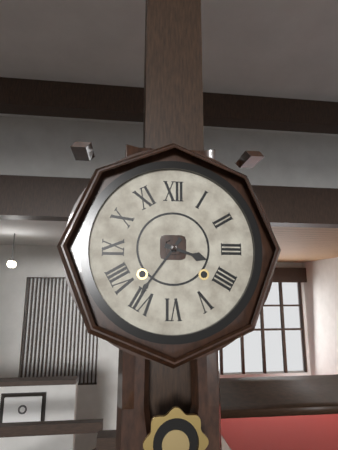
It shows 3,36
